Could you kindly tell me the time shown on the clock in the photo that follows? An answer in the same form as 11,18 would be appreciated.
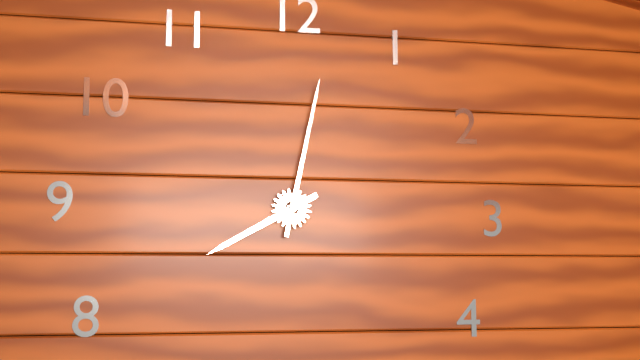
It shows 8,02
